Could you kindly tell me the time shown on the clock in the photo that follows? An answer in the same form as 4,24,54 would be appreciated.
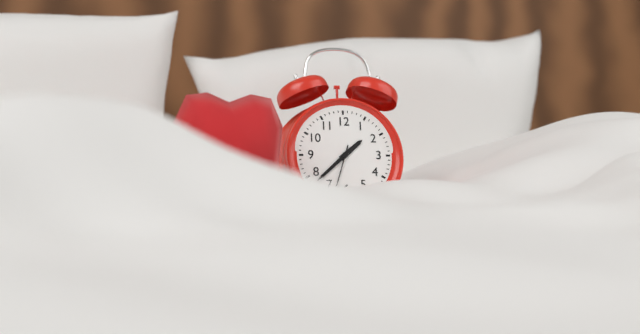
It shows 1,38,33
